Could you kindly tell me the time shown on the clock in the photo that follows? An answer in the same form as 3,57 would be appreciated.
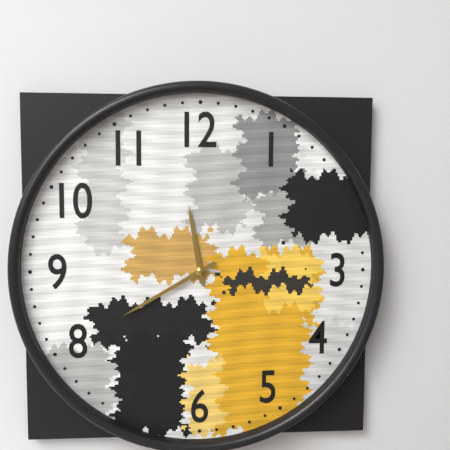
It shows 11,40
